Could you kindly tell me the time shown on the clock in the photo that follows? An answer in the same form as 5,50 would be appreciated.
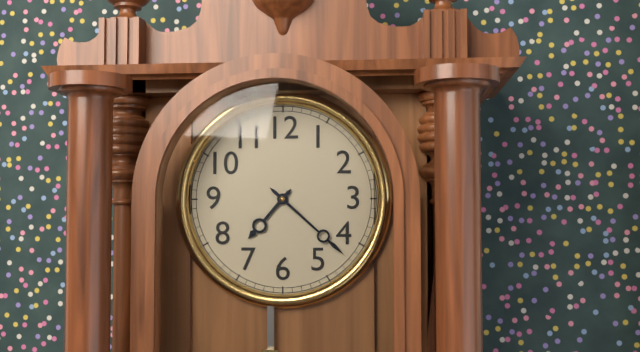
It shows 7,22
